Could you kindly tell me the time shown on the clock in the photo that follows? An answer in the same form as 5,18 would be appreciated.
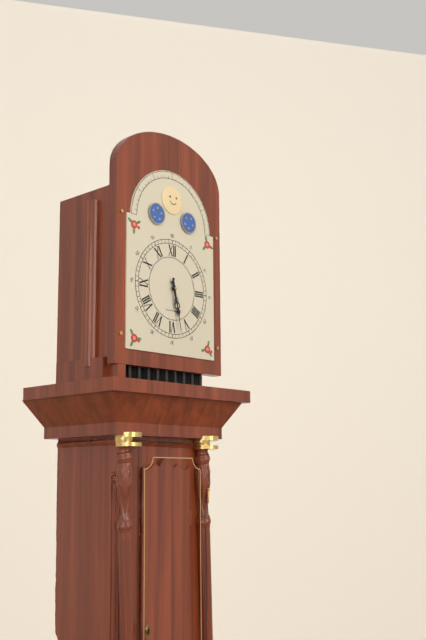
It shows 5,28
